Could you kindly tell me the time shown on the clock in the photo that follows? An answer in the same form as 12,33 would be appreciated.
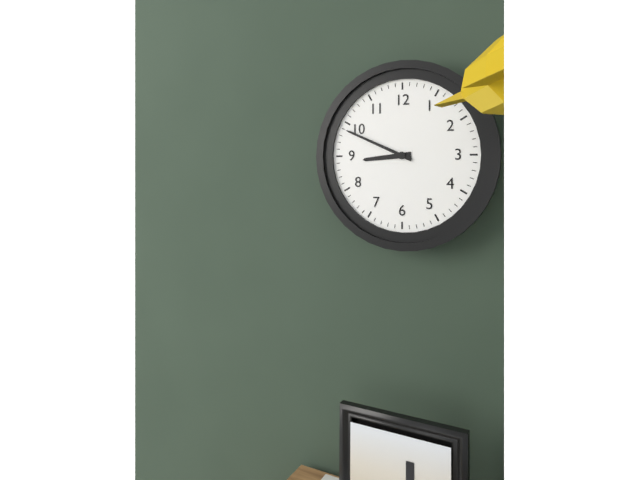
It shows 8,49
